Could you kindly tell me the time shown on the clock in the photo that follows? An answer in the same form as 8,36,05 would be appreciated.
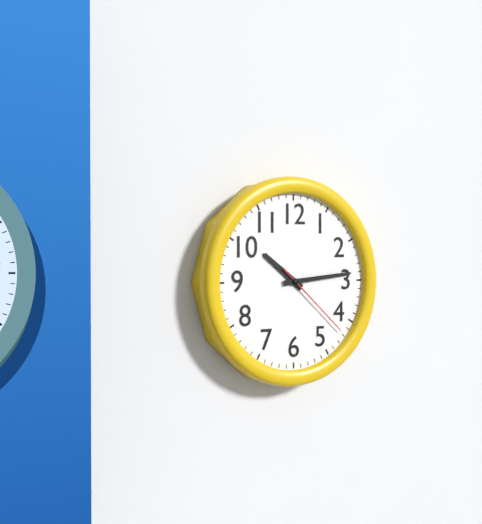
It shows 10,14,22
